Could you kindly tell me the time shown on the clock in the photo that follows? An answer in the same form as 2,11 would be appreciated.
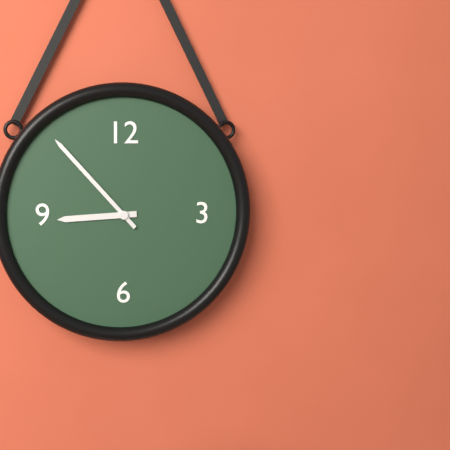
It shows 8,53
